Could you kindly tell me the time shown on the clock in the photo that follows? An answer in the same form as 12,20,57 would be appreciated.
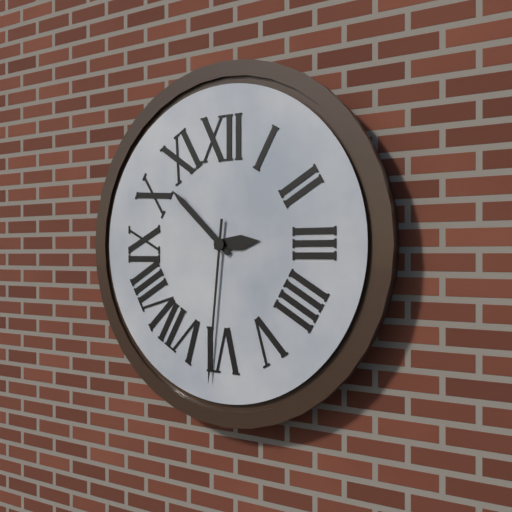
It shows 2,52,31
